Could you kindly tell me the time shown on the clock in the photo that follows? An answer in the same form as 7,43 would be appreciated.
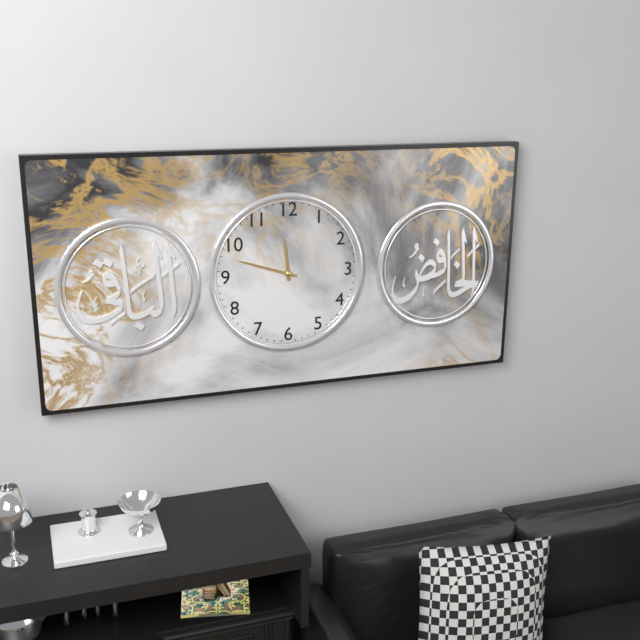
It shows 11,48
